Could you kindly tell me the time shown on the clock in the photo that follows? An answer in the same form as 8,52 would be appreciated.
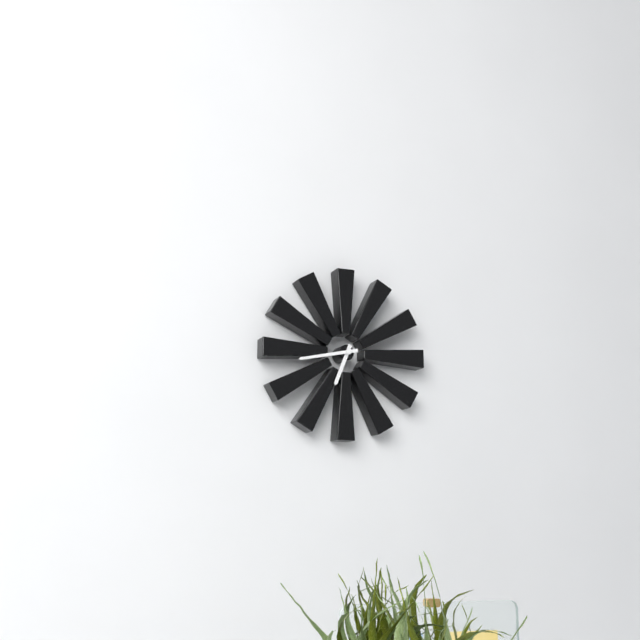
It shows 6,43
